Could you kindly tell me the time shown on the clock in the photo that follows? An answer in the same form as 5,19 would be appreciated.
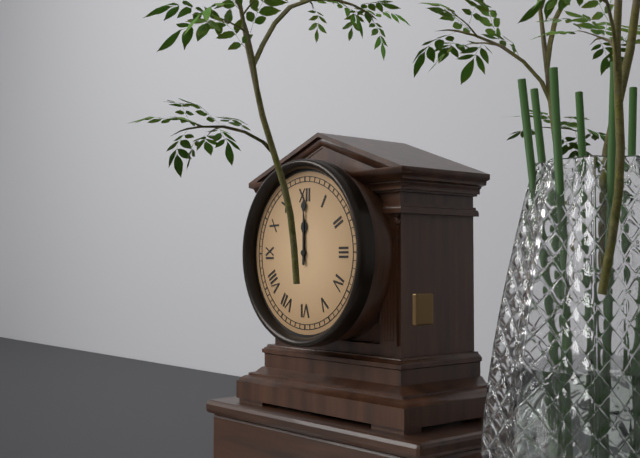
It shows 12,00
